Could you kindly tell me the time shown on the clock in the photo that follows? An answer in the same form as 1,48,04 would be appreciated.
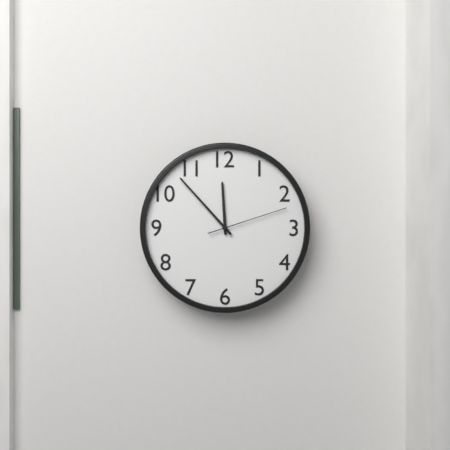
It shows 11,53,12
